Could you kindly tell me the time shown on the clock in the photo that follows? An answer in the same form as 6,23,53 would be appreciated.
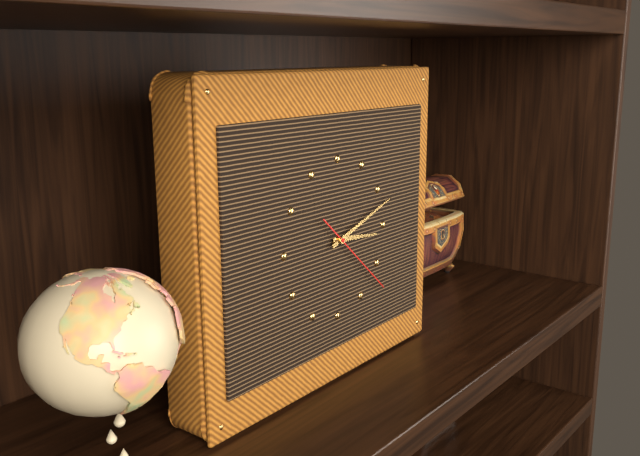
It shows 3,12,22
